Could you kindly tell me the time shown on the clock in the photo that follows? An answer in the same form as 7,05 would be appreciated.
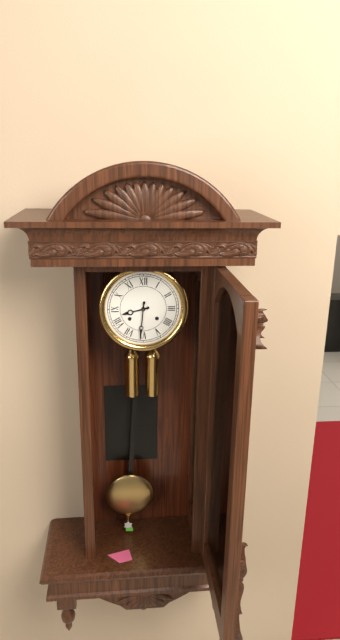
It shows 8,31
